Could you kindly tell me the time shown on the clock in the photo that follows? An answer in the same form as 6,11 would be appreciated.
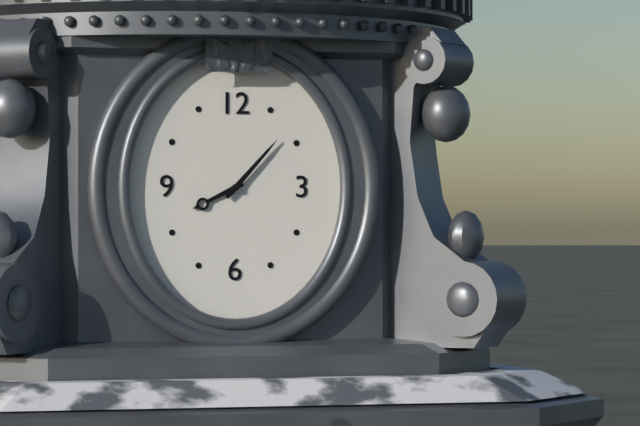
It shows 8,07
